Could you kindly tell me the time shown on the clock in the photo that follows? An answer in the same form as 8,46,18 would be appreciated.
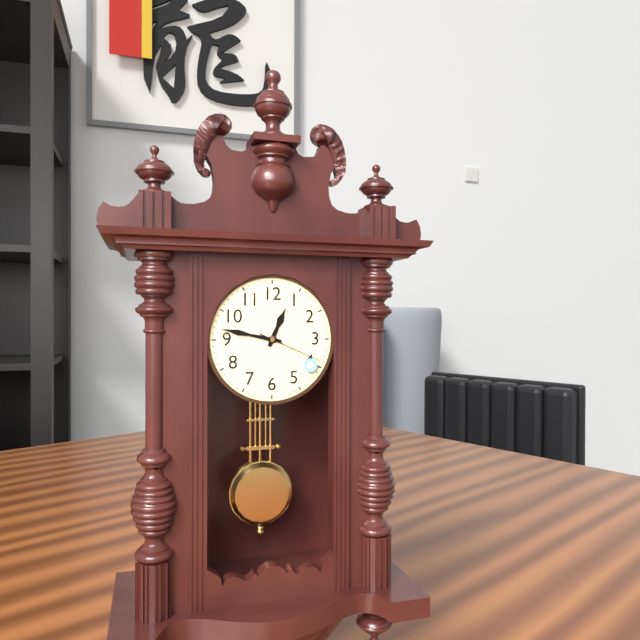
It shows 12,47,19
